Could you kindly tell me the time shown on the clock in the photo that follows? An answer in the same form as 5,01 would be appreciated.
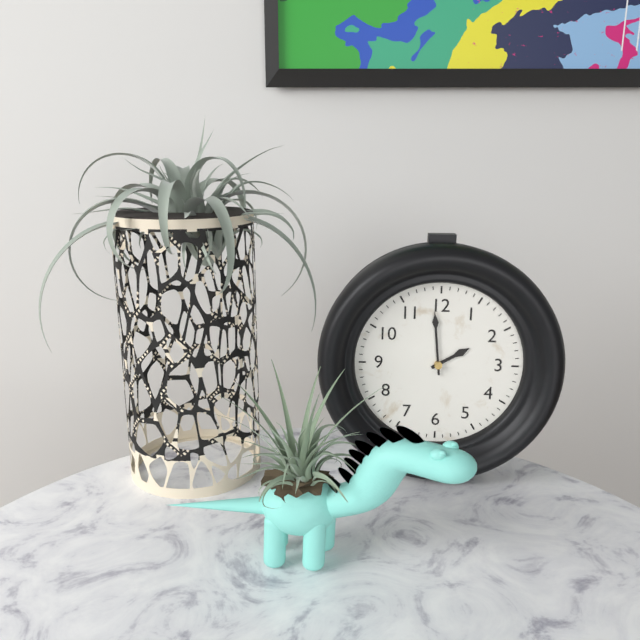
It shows 1,59
